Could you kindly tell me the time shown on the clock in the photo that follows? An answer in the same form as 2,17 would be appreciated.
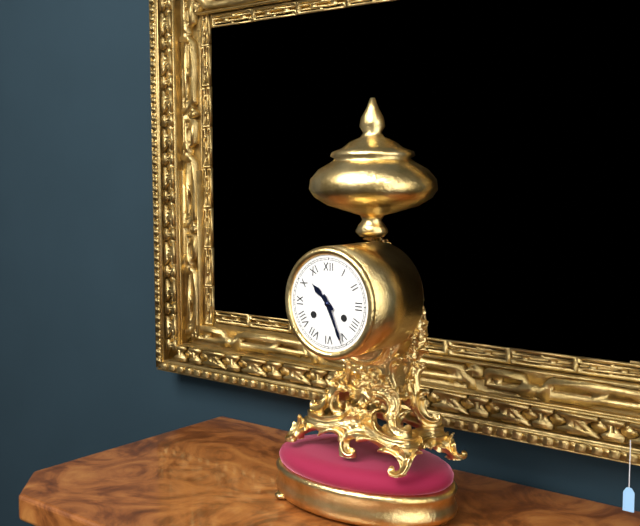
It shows 10,26
